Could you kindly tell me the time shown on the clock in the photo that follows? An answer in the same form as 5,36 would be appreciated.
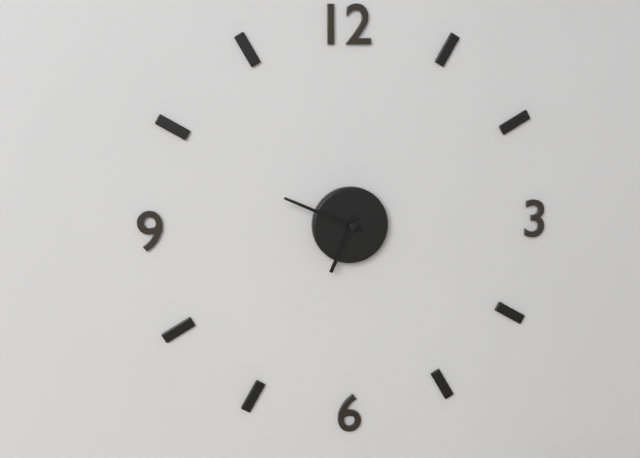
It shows 6,49
